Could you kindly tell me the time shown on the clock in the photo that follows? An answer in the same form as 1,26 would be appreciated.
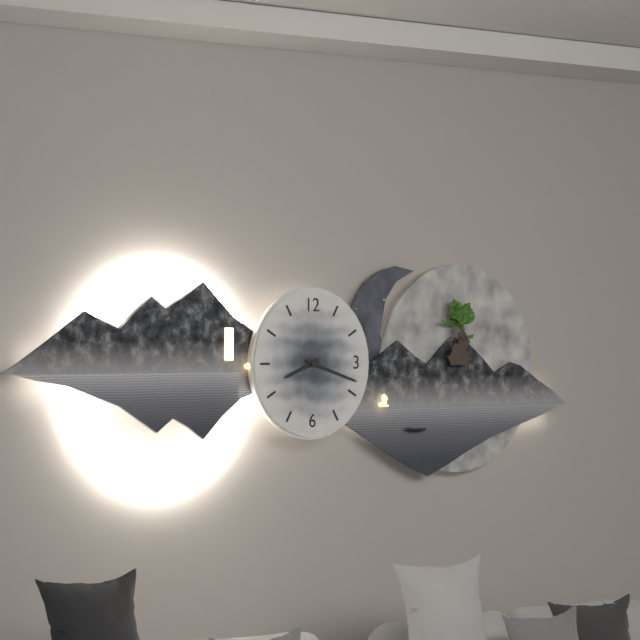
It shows 8,18
